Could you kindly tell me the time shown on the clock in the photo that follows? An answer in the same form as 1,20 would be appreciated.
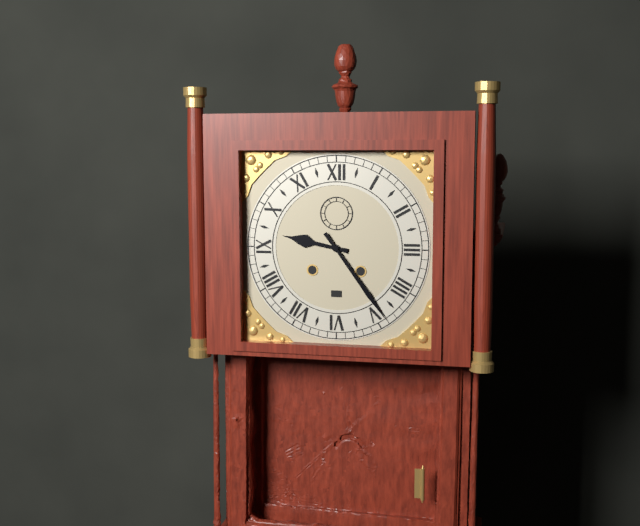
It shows 9,24
